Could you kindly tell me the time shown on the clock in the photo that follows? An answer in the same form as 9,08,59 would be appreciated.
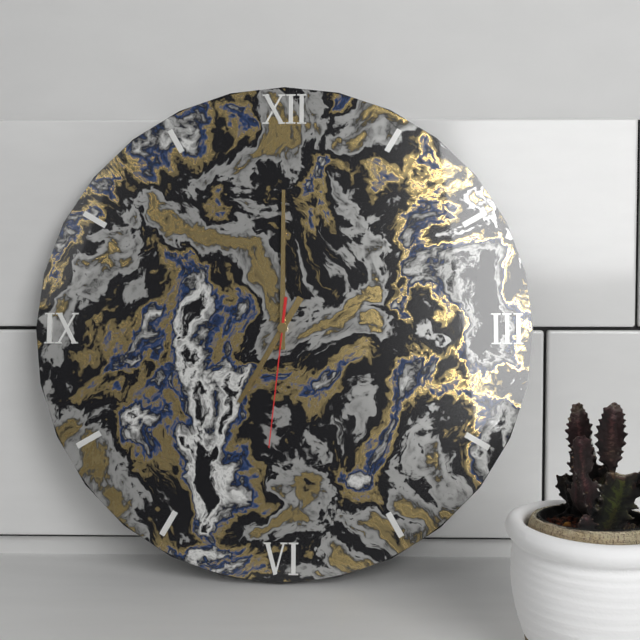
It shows 7,00,31
